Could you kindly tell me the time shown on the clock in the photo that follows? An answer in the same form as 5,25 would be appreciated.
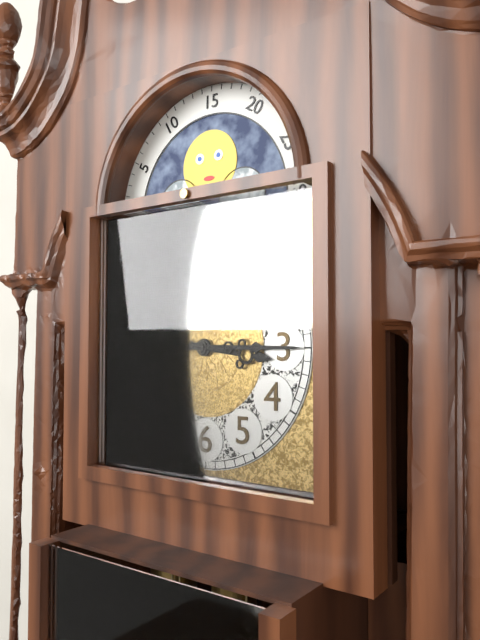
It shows 3,15
